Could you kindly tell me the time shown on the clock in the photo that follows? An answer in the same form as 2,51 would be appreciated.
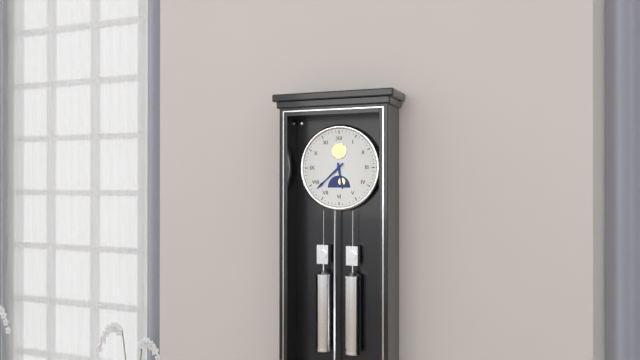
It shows 5,38
